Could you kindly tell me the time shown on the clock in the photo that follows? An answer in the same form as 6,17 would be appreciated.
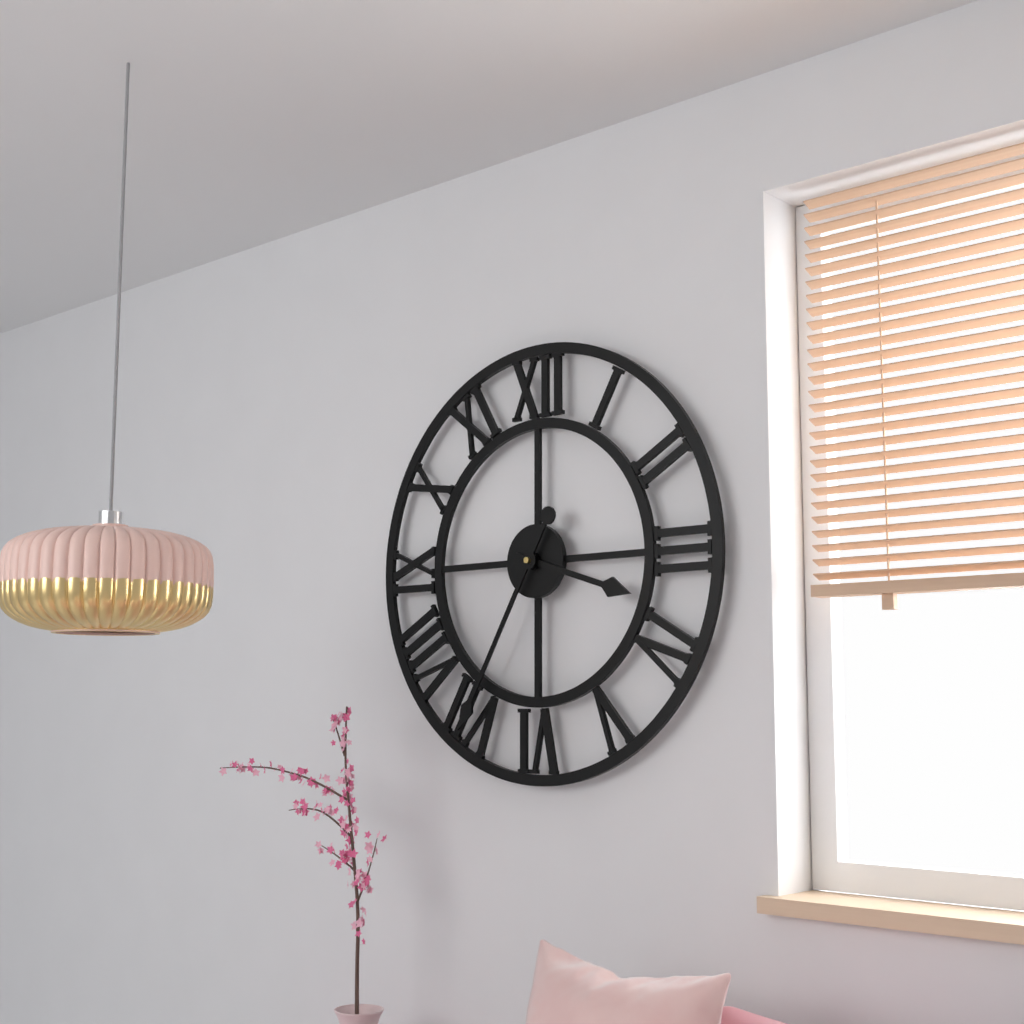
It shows 3,35
